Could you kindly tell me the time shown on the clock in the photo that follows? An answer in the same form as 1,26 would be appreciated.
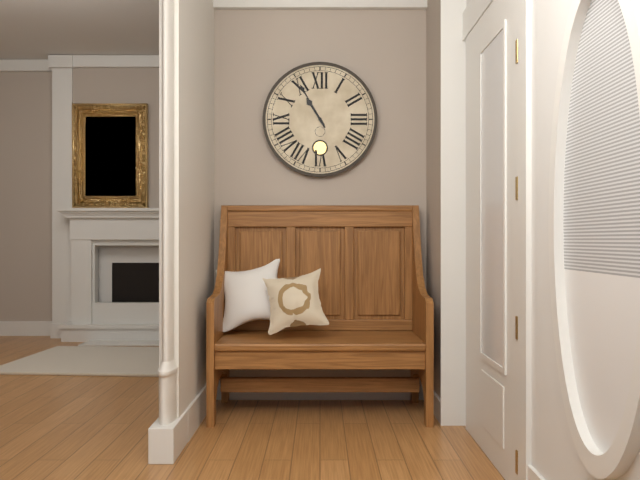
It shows 10,55
